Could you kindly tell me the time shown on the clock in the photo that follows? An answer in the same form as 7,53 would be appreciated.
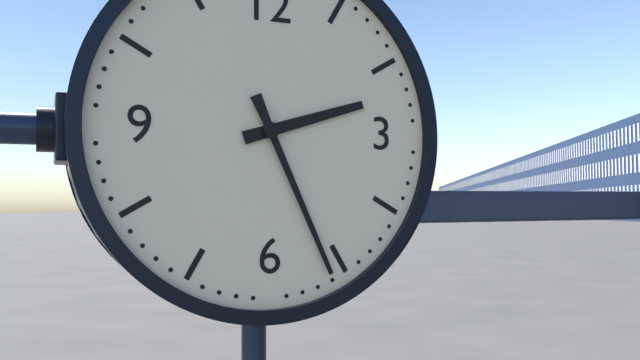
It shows 2,26
